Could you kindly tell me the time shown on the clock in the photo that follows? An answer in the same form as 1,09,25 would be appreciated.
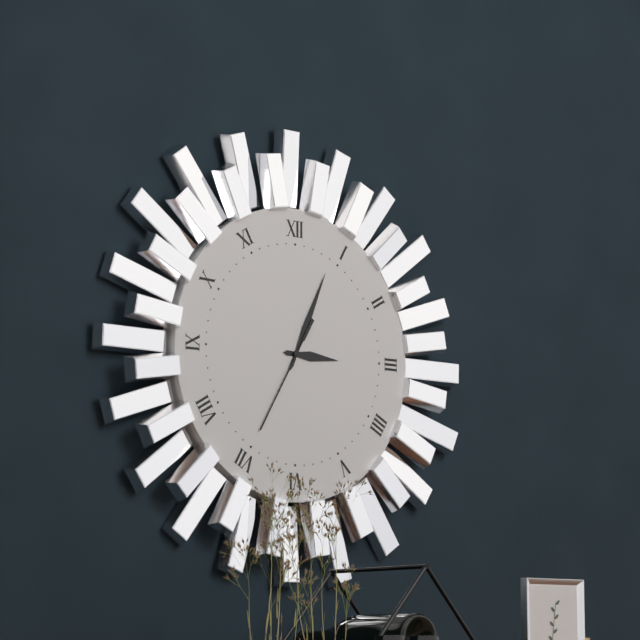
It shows 3,04,35
